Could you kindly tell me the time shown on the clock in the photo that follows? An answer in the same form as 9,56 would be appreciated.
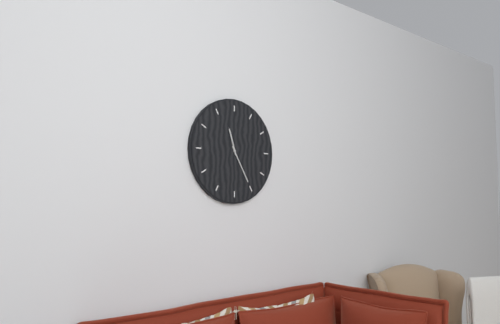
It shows 11,25
